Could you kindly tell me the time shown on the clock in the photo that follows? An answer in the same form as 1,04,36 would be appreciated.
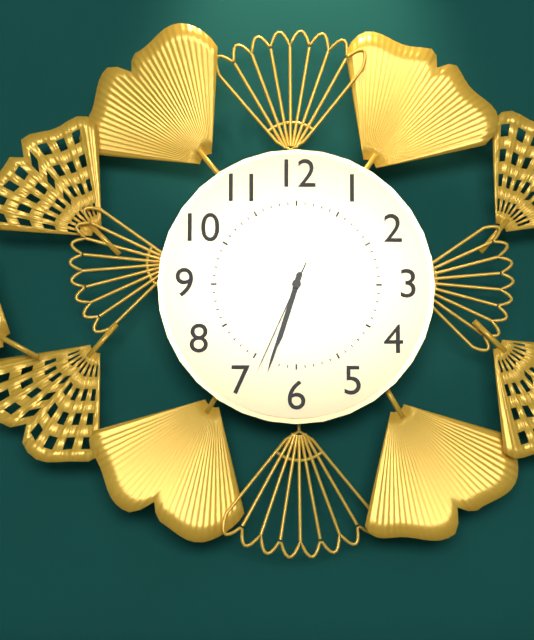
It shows 6,33,34
